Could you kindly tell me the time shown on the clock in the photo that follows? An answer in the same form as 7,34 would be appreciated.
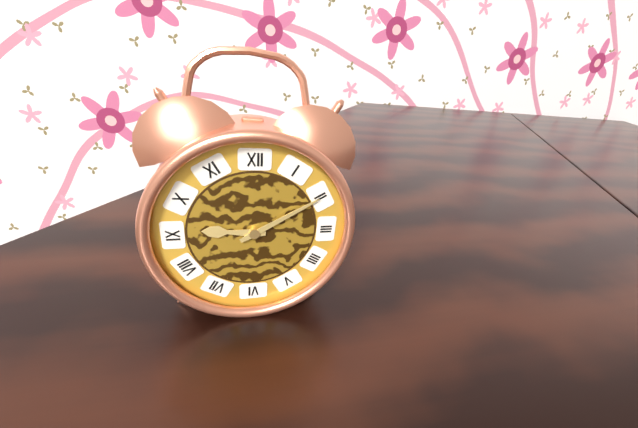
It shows 9,10
